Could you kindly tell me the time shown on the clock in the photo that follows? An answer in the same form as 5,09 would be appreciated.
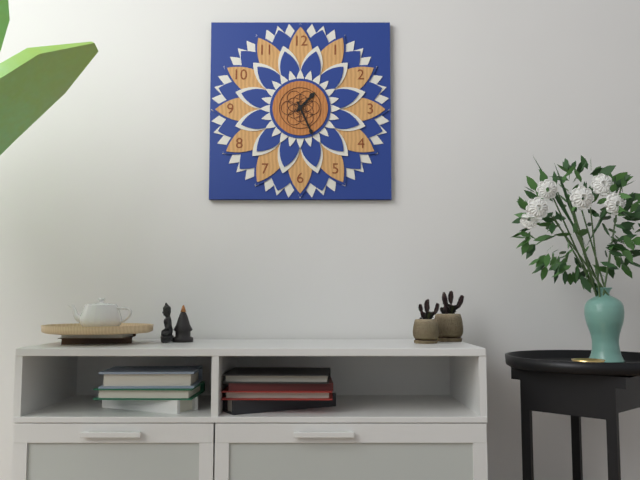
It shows 1,26
